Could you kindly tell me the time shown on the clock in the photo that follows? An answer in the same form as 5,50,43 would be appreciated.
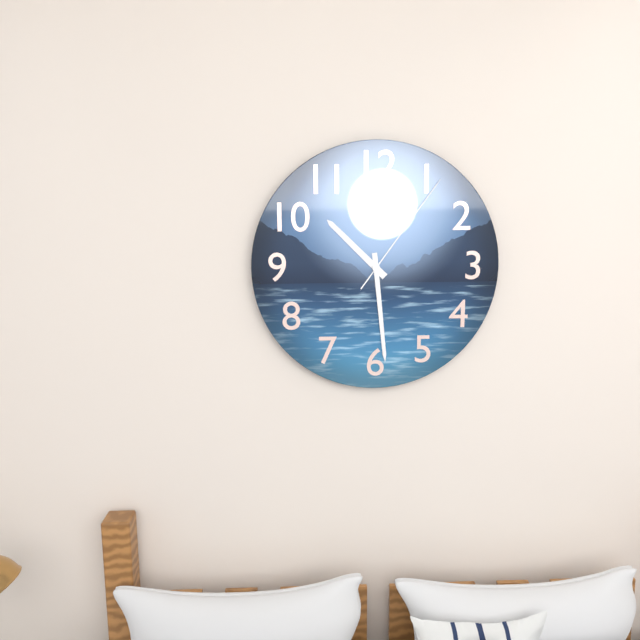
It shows 10,29,06
